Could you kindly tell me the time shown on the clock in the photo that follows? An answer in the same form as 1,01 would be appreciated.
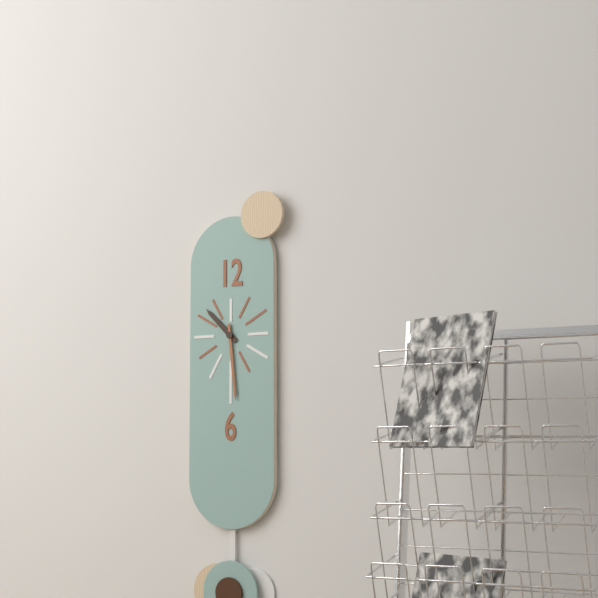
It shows 10,29
